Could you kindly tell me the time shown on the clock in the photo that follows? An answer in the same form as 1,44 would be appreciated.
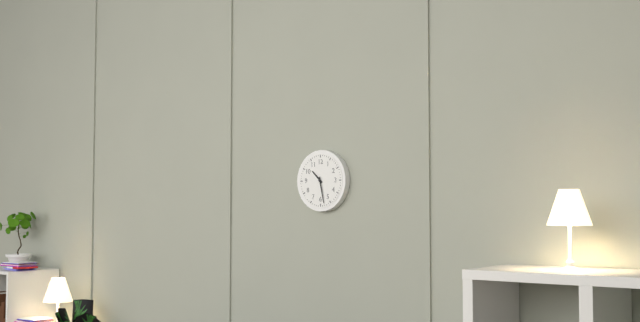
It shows 10,28
